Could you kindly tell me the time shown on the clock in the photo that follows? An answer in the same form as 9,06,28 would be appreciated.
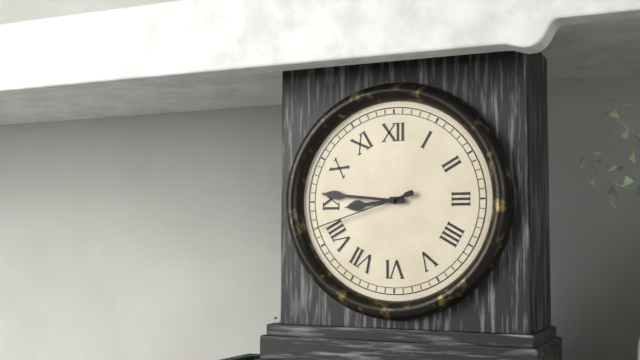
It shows 8,46,42
